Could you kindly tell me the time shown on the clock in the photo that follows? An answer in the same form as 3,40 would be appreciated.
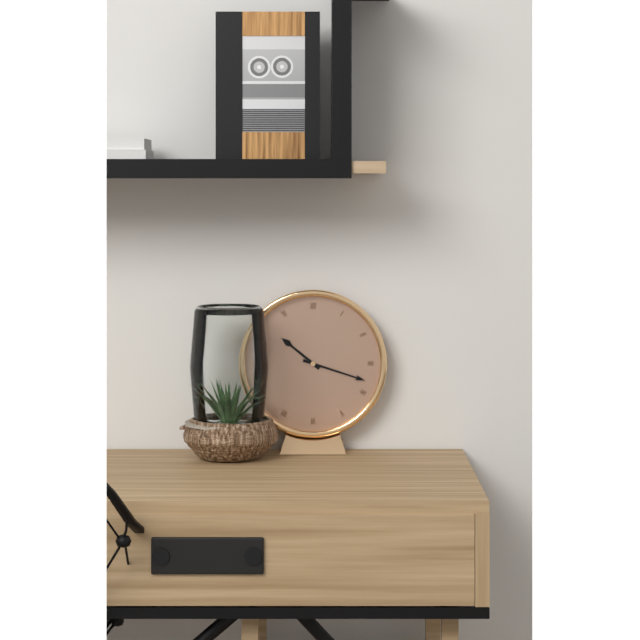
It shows 10,18
